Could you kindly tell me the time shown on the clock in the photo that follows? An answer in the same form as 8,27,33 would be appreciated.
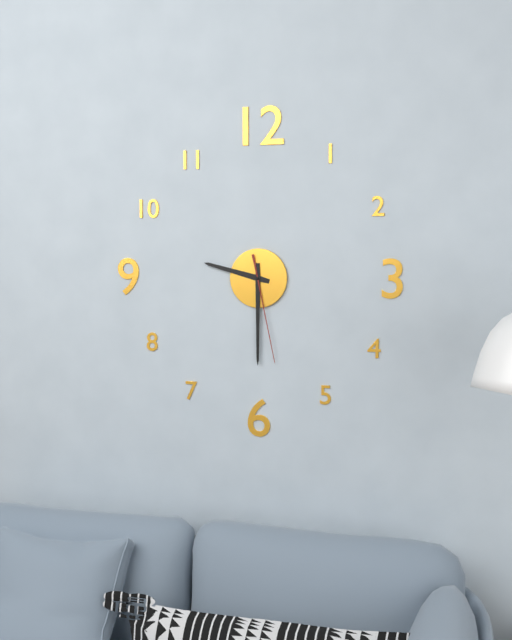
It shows 9,30,28
